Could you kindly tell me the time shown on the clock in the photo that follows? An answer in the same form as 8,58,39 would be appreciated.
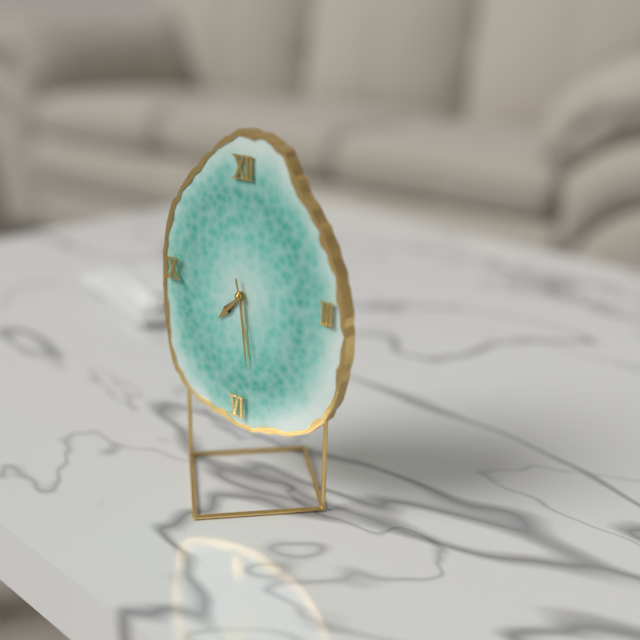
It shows 7,29,28
